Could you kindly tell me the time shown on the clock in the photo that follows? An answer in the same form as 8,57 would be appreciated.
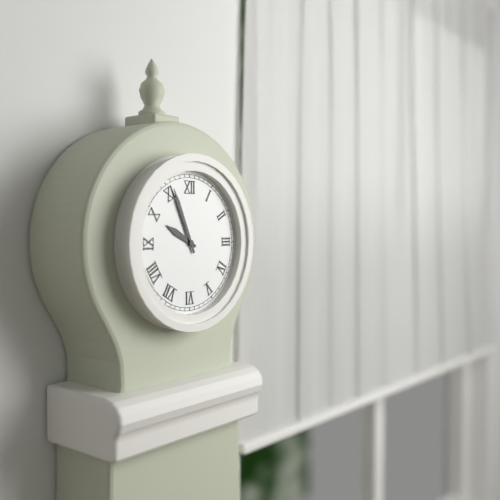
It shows 9,56
